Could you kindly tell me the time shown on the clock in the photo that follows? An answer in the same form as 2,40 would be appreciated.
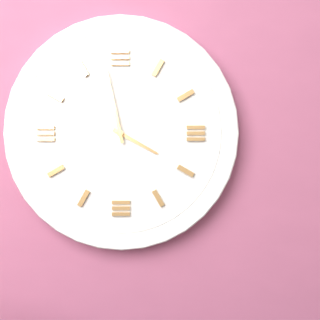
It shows 3,58
